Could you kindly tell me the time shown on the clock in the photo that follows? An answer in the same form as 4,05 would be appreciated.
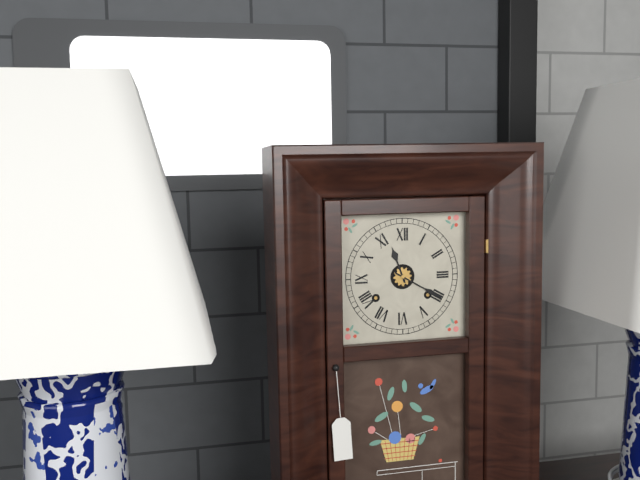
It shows 11,20
